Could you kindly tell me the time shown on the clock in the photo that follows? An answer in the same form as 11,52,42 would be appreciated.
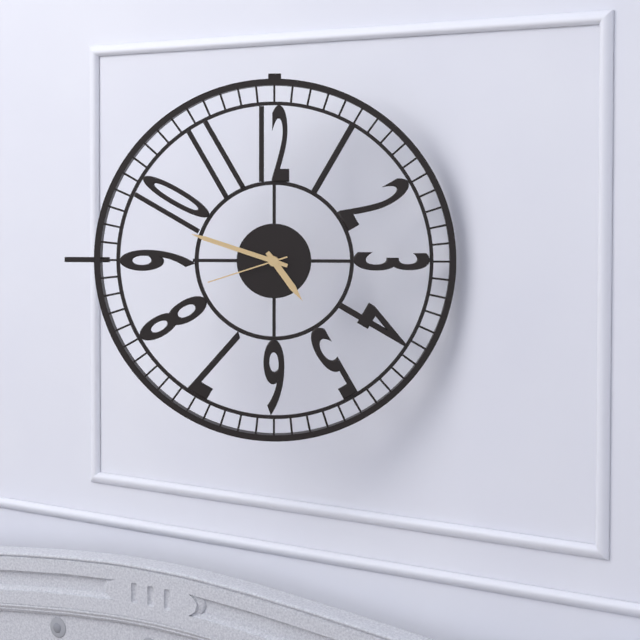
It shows 4,48,42
